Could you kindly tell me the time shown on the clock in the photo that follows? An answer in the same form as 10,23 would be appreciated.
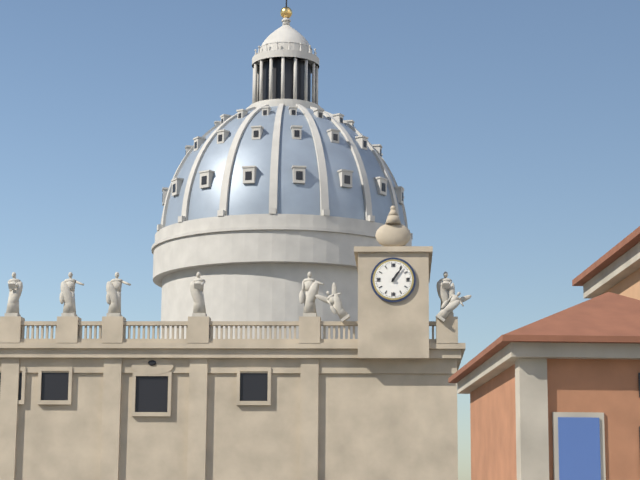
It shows 1,06
